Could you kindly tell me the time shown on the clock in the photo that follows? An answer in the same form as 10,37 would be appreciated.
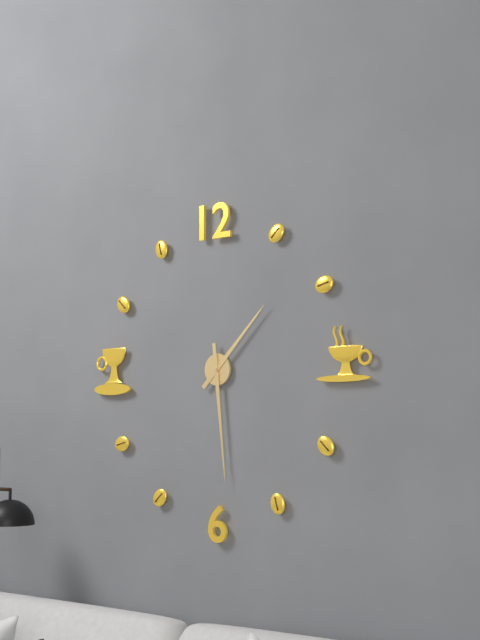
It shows 1,29
